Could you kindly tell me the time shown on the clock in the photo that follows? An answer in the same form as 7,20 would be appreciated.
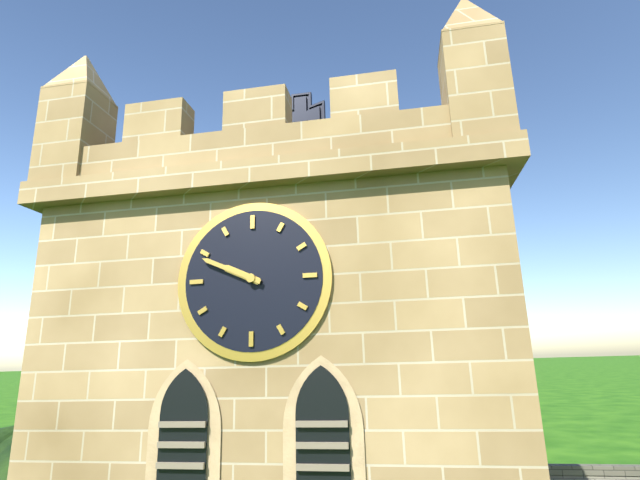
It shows 9,49
